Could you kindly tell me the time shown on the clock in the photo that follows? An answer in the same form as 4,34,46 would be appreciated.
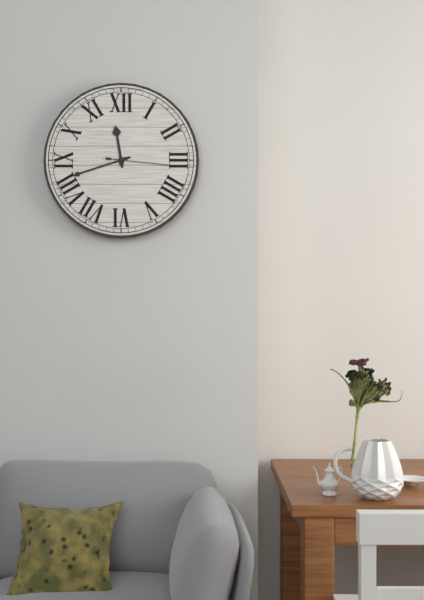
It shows 11,42,16
